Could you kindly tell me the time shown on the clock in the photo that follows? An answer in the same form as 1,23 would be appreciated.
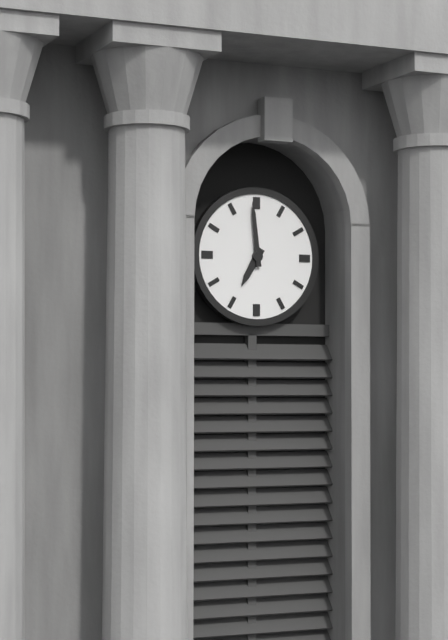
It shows 6,59
